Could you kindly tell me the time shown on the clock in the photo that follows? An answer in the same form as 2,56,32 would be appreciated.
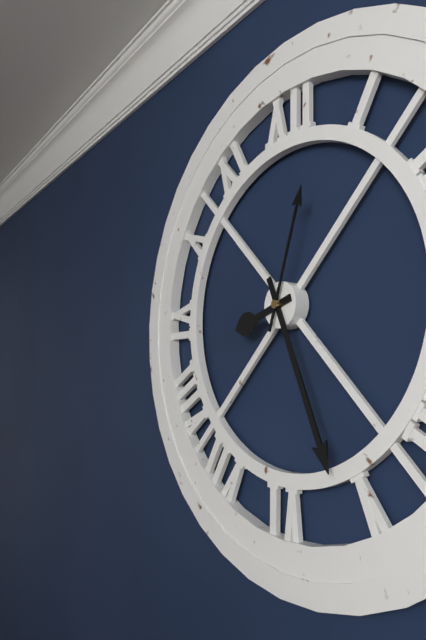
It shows 8,26,03
